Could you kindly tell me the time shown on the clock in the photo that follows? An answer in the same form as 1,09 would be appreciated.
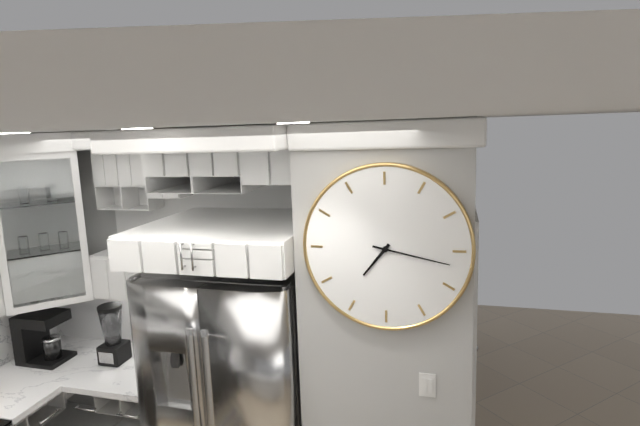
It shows 7,17
